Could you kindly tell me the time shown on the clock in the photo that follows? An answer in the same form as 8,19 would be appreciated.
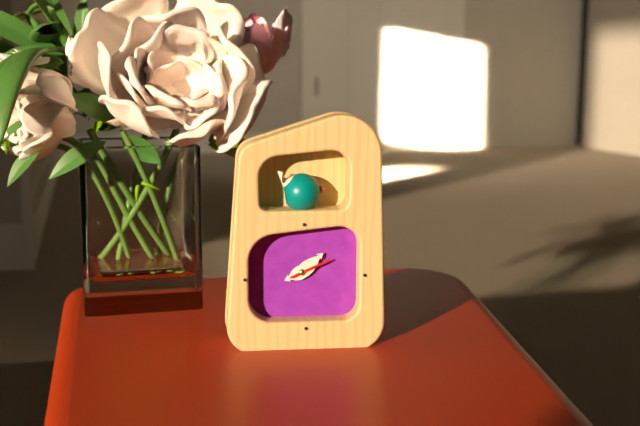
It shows 8,08
